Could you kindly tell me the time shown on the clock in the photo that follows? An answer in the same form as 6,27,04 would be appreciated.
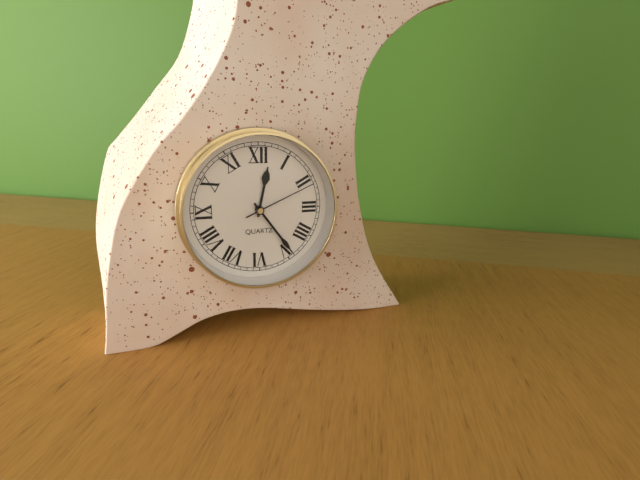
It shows 12,24,11
